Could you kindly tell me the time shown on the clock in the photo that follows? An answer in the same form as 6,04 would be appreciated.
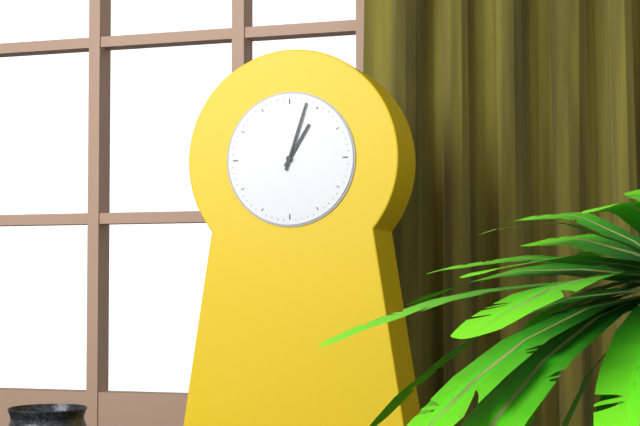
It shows 1,03
